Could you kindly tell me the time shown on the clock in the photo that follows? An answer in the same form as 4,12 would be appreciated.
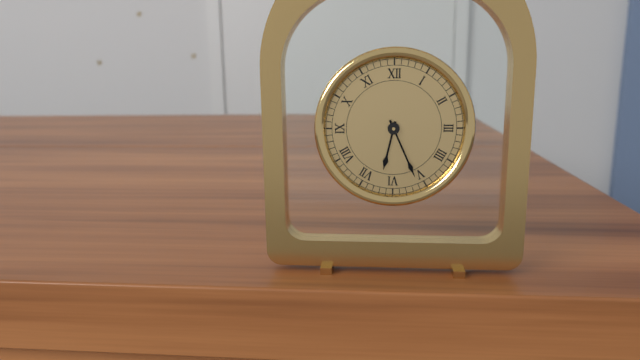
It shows 6,26
